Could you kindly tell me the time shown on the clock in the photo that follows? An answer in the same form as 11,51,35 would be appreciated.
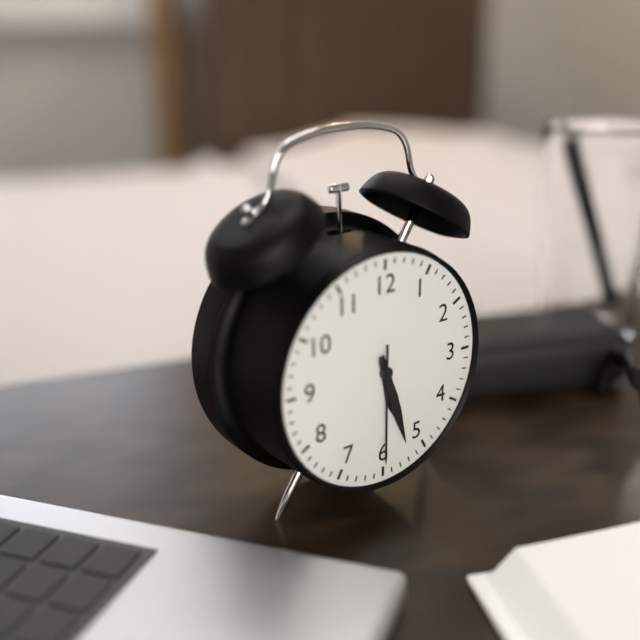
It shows 5,27,30
